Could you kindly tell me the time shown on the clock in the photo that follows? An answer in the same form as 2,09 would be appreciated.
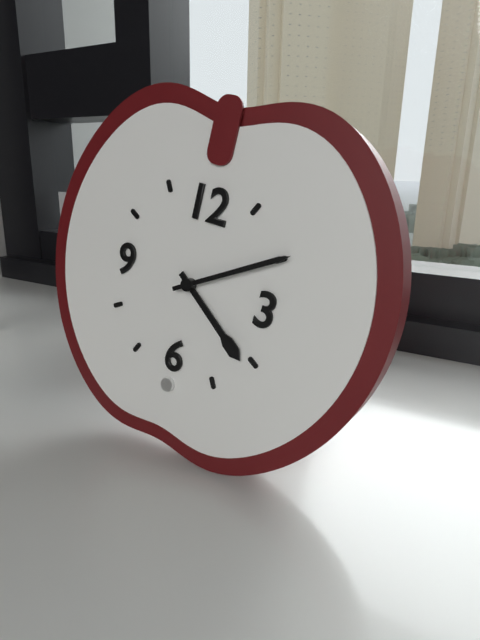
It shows 4,10
